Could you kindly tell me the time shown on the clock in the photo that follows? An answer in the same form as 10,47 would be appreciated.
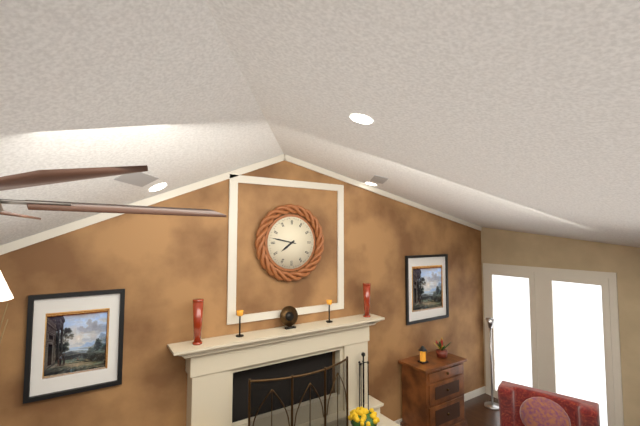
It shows 7,47
